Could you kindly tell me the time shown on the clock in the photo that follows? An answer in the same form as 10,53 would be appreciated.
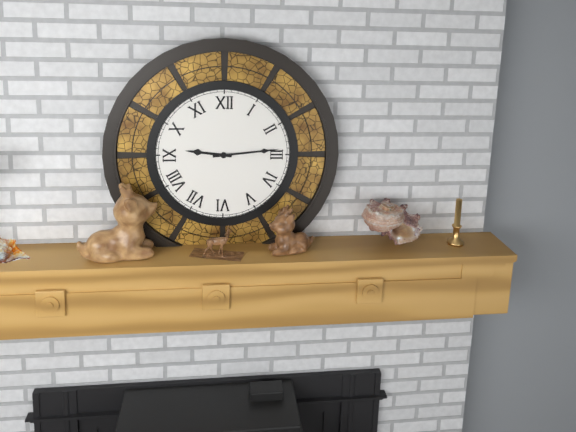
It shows 9,14
